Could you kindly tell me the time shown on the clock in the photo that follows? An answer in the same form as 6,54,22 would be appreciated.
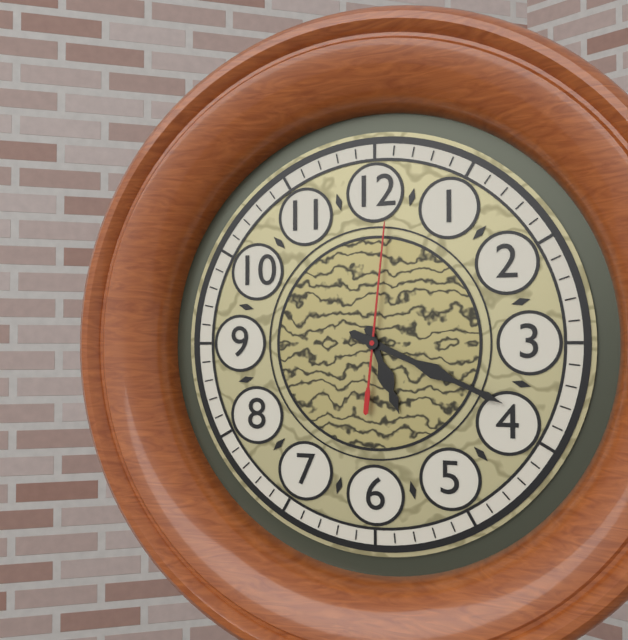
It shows 5,19,01
